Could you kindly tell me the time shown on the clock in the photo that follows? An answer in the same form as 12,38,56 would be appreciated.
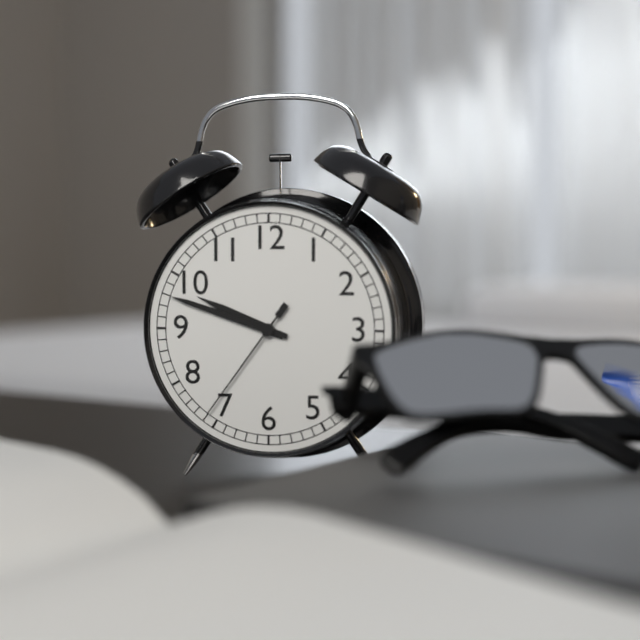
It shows 9,48,36
